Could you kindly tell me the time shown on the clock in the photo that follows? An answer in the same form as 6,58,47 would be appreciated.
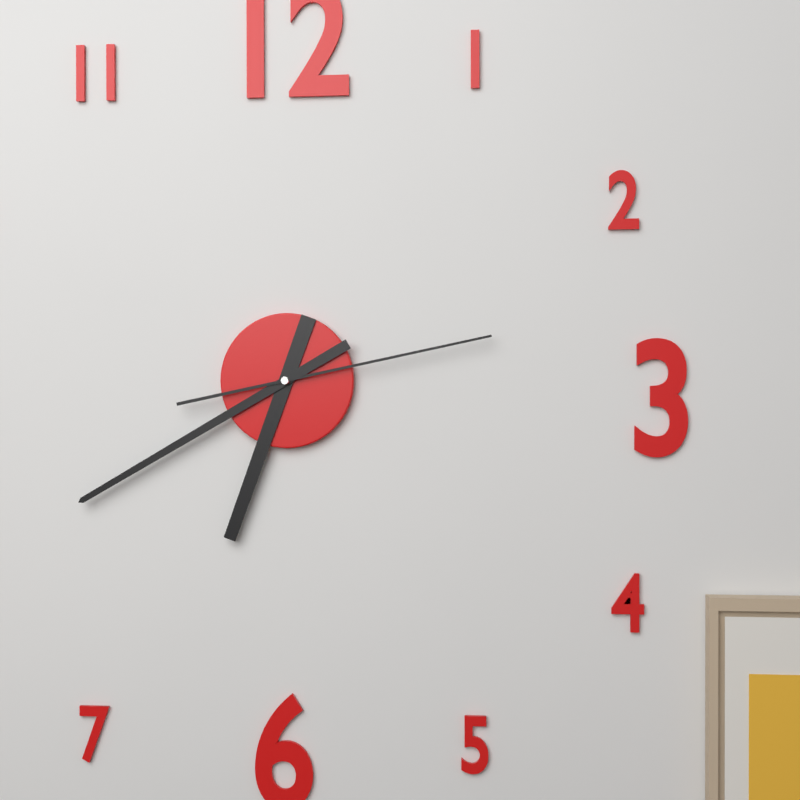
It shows 6,40,13
